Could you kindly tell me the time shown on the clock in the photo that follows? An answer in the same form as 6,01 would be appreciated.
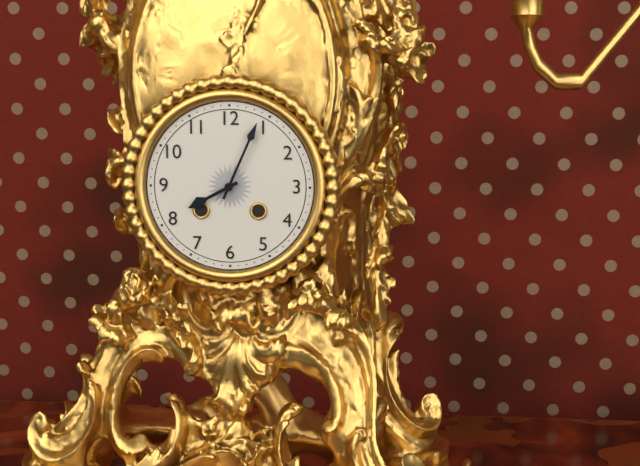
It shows 8,04
